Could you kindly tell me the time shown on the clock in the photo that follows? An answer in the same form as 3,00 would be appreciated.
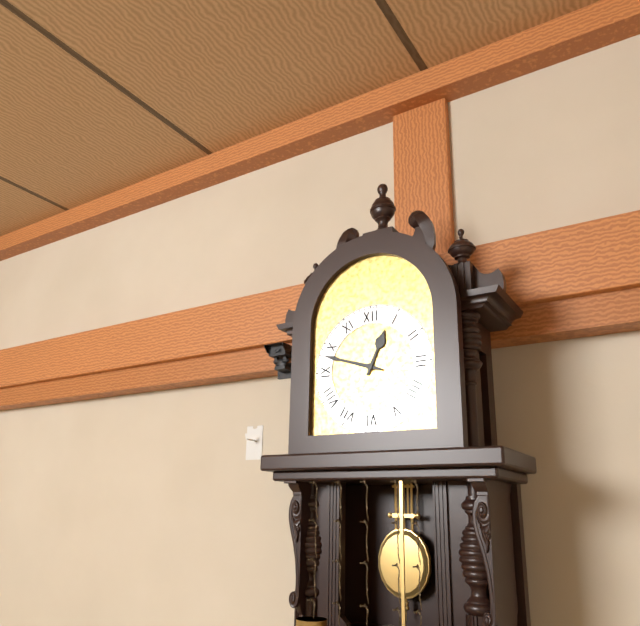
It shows 12,48
